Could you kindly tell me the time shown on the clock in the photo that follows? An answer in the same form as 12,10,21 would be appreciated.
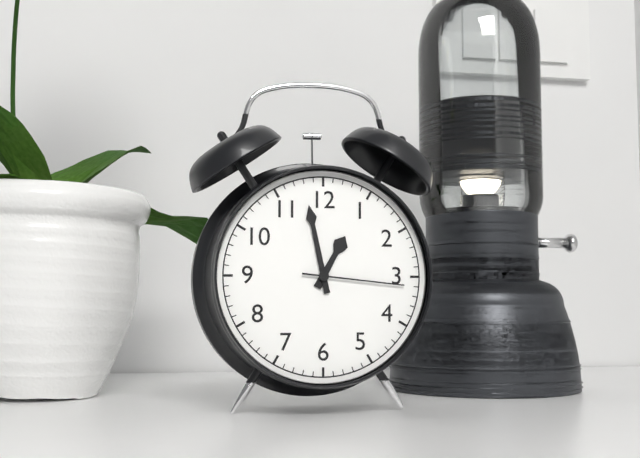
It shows 12,58,16
